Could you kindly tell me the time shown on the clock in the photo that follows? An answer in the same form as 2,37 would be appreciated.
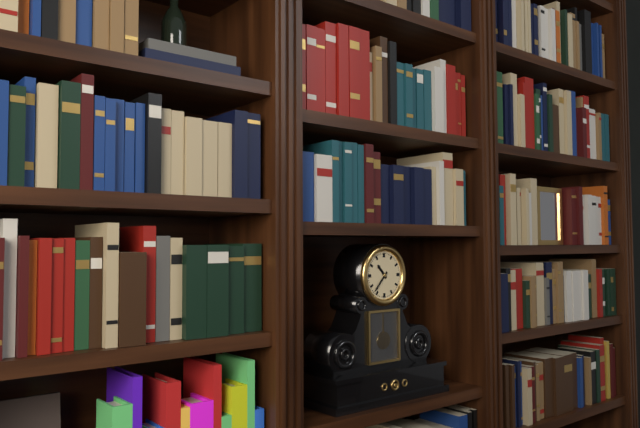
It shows 10,37
